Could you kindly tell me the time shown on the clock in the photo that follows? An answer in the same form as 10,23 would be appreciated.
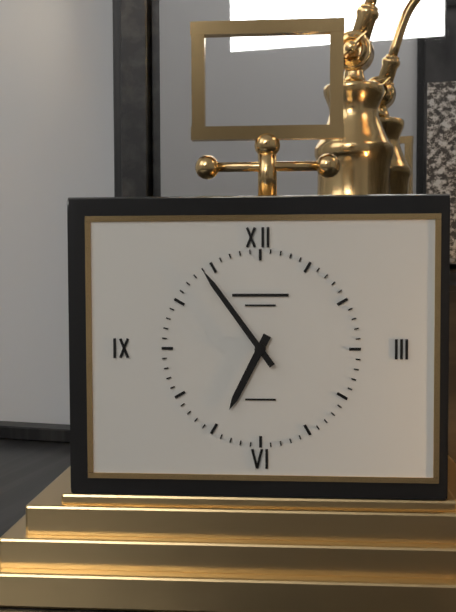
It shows 6,54
